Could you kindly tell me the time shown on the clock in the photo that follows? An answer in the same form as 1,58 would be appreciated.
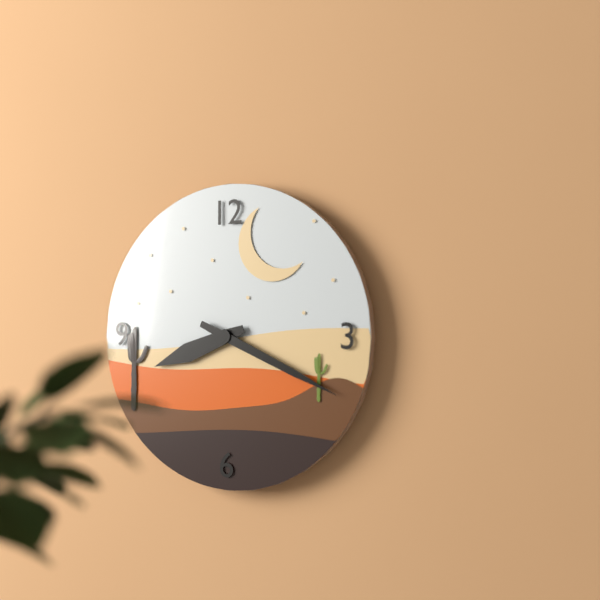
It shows 8,19
